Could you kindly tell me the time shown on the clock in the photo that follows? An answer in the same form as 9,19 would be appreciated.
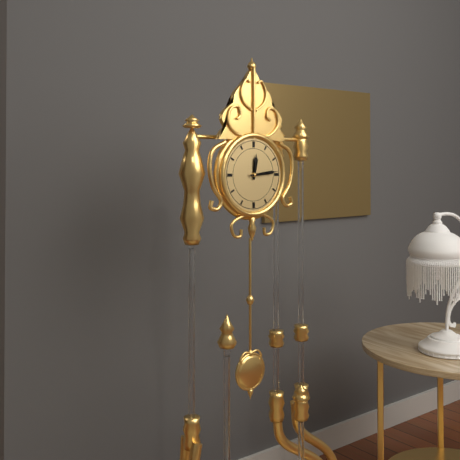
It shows 12,14
